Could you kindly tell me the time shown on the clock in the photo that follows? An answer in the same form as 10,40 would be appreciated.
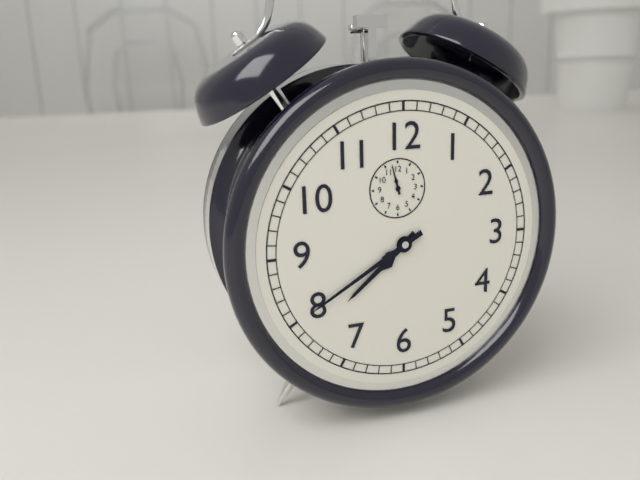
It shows 7,40
